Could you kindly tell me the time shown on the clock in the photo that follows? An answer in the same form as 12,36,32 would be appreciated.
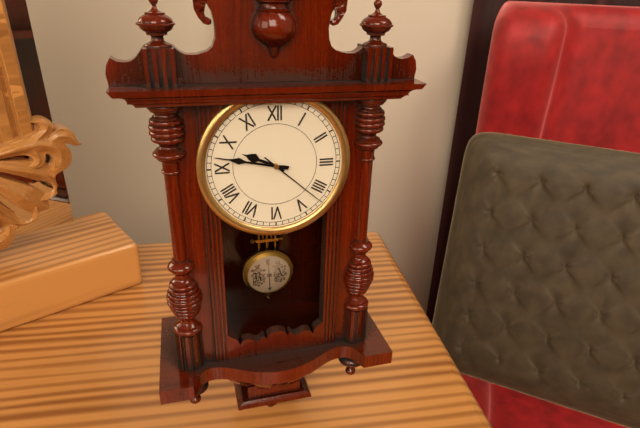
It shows 9,47,22
